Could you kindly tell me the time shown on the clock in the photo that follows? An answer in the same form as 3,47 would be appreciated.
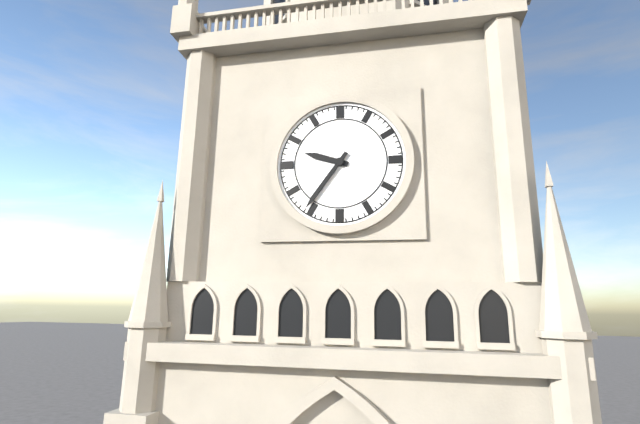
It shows 9,36
